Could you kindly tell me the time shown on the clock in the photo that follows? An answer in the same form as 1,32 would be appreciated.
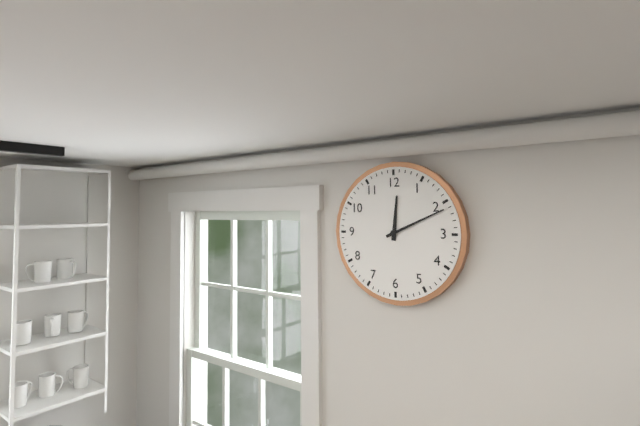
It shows 12,11
